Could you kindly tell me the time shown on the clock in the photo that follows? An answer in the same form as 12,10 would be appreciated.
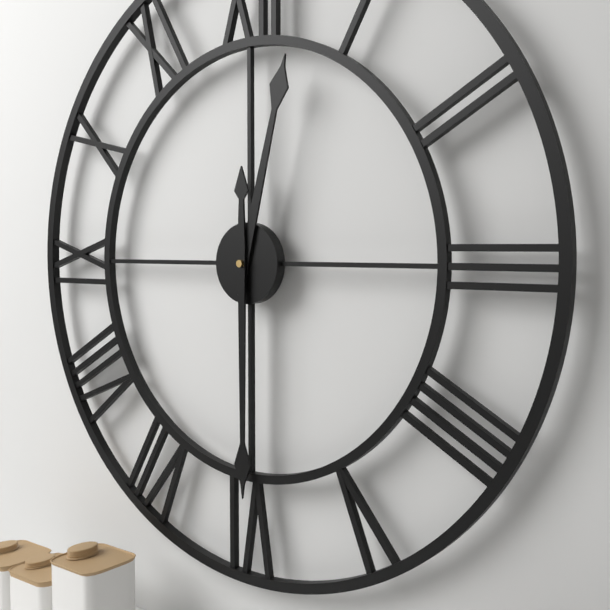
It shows 12,30
